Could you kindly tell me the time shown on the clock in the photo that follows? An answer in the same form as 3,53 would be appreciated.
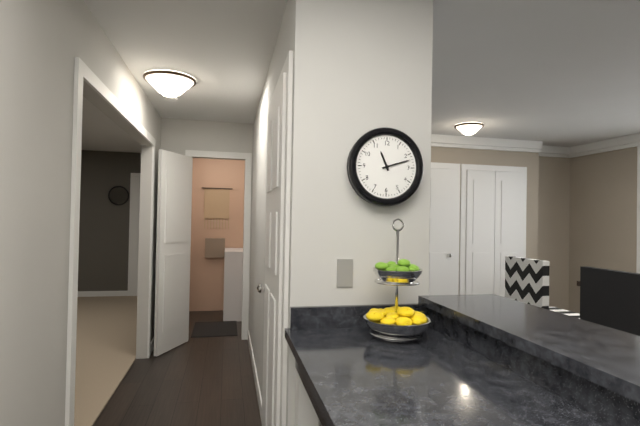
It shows 11,12
